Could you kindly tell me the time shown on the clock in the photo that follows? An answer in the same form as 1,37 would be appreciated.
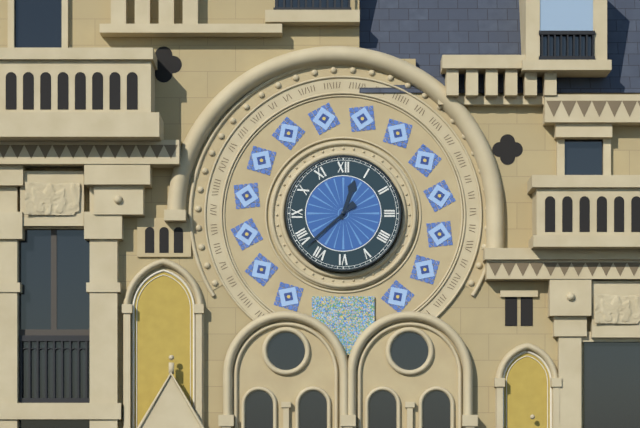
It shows 12,38
